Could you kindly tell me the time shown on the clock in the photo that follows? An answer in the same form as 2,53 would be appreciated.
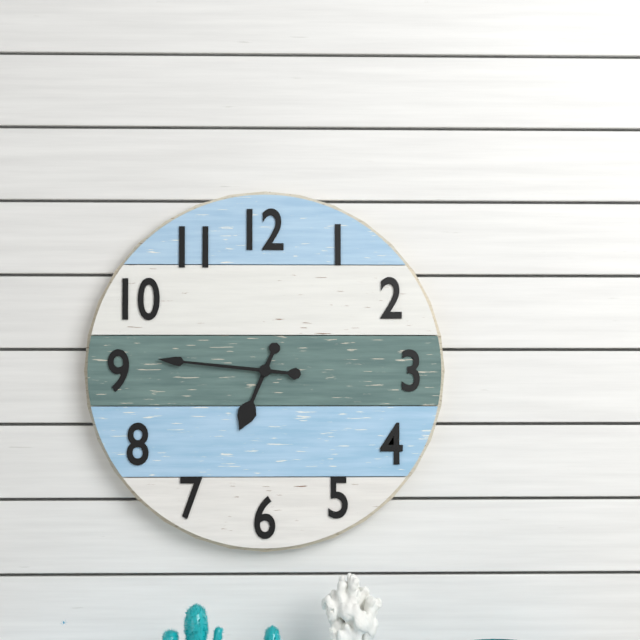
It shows 6,46
